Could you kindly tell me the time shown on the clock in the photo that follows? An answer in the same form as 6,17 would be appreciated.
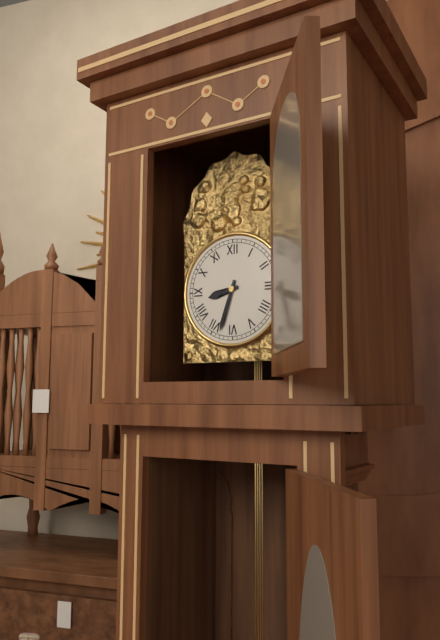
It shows 8,33
